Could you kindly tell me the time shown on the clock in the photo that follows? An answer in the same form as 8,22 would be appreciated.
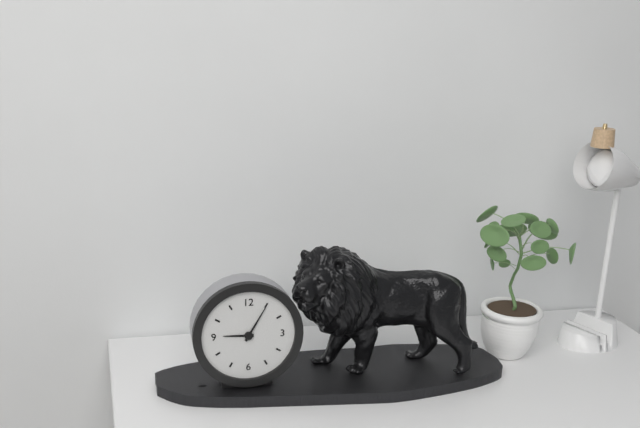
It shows 9,05
